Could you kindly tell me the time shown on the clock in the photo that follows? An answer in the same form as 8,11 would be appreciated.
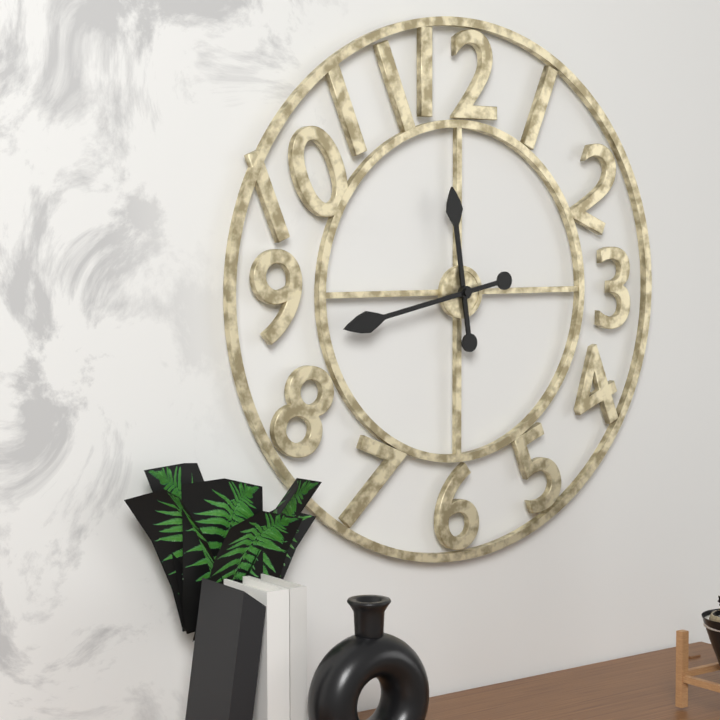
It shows 11,43
